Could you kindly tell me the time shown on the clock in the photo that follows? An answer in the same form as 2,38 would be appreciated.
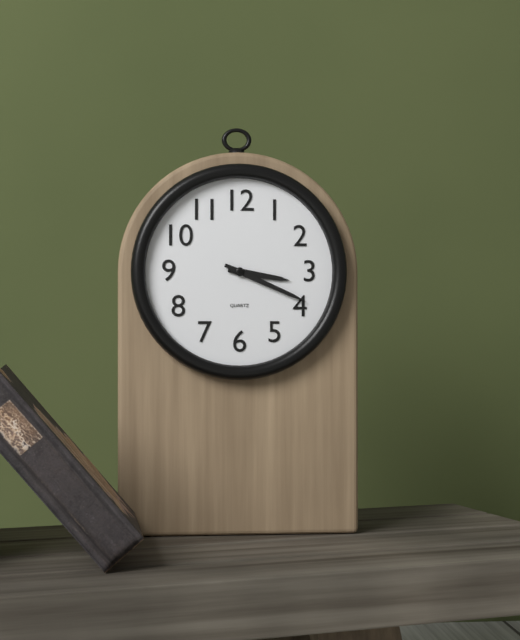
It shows 3,19
